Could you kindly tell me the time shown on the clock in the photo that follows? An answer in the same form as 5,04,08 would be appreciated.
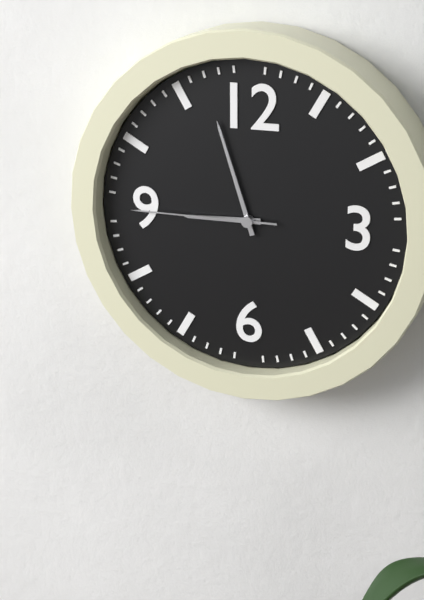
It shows 8,57,45
